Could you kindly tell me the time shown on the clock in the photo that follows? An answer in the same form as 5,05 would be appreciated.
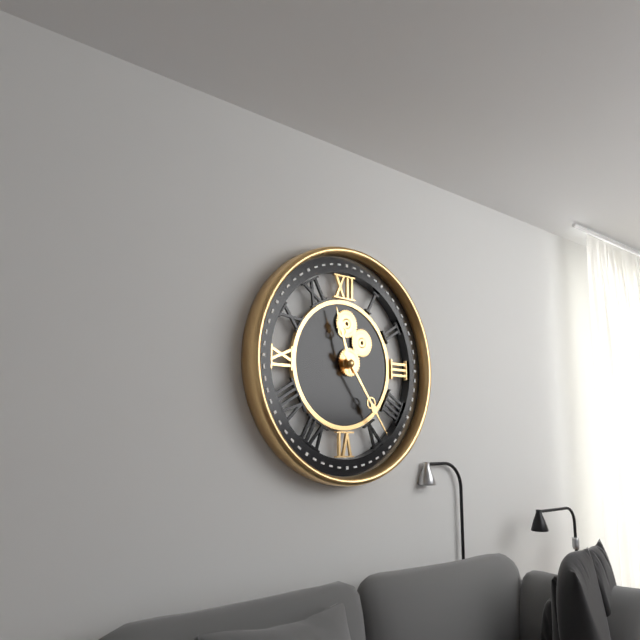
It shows 11,24
